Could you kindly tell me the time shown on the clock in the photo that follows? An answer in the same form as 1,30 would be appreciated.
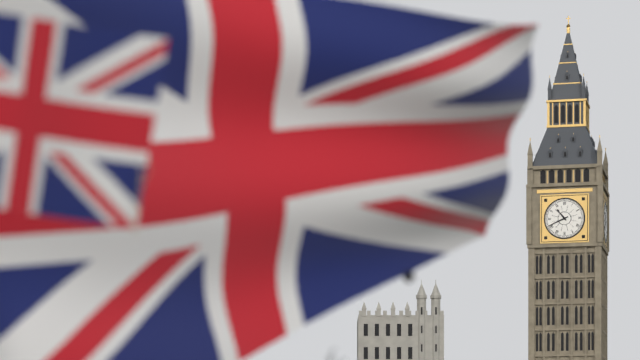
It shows 10,41
